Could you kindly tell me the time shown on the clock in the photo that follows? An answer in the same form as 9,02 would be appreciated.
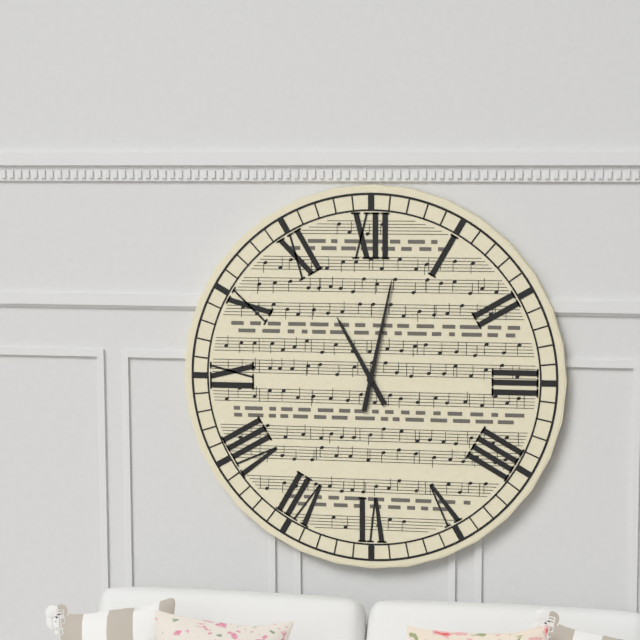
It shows 11,02
